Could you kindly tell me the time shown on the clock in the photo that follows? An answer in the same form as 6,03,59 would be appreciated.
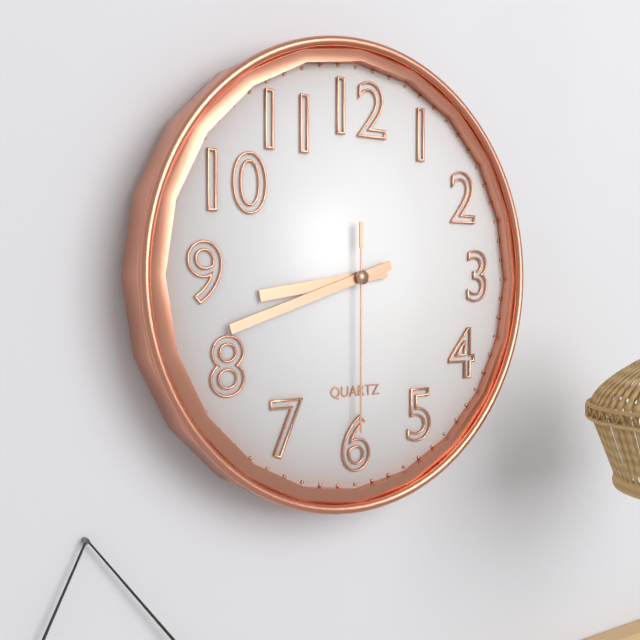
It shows 8,42,30
